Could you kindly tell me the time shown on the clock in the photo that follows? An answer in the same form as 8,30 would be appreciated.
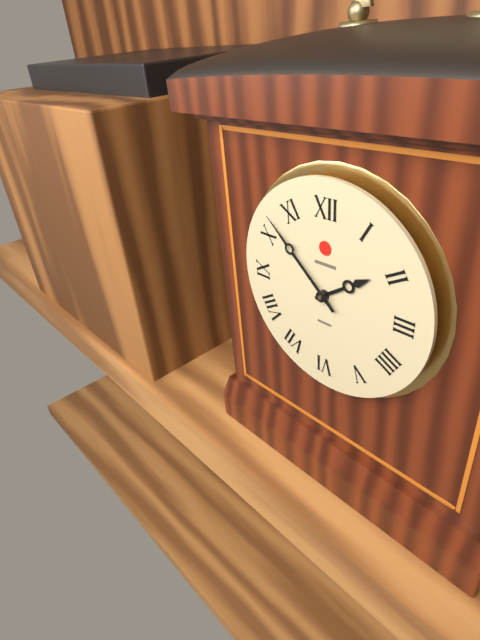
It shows 1,52
